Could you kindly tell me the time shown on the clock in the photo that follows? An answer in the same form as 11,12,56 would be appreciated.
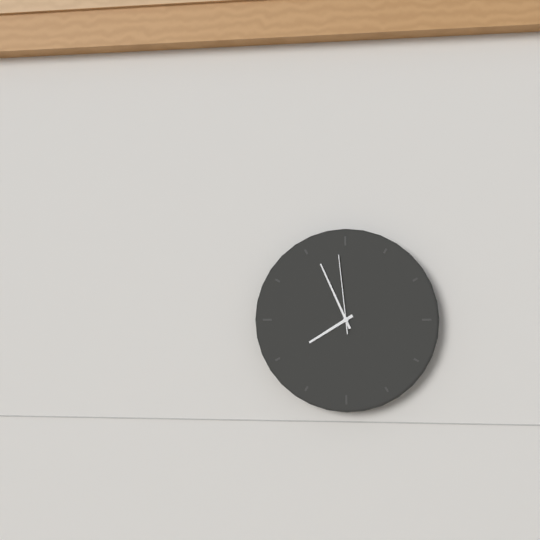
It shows 7,56,59
